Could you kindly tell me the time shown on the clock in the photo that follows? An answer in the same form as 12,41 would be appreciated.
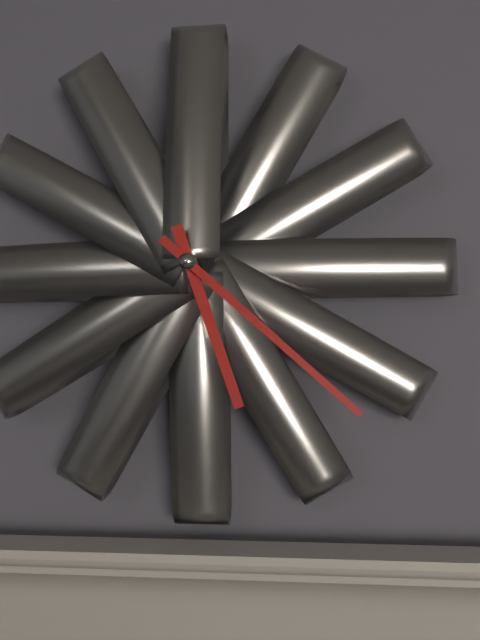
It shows 5,22
